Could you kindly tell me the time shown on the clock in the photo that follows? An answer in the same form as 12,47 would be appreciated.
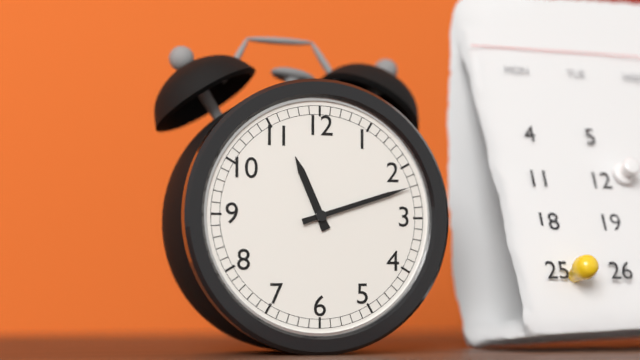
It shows 11,12
